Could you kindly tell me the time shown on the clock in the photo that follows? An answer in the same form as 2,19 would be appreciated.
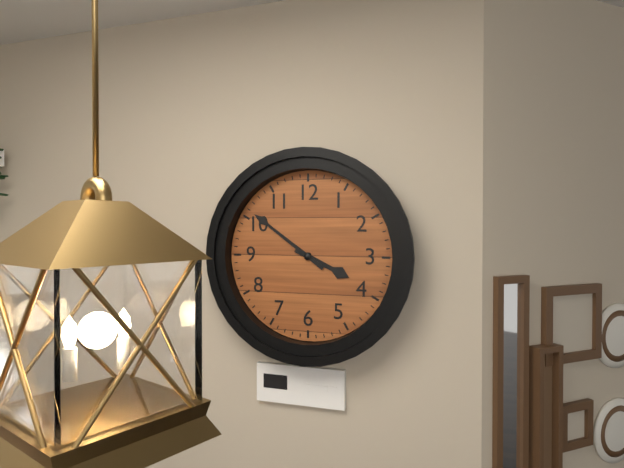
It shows 3,51
